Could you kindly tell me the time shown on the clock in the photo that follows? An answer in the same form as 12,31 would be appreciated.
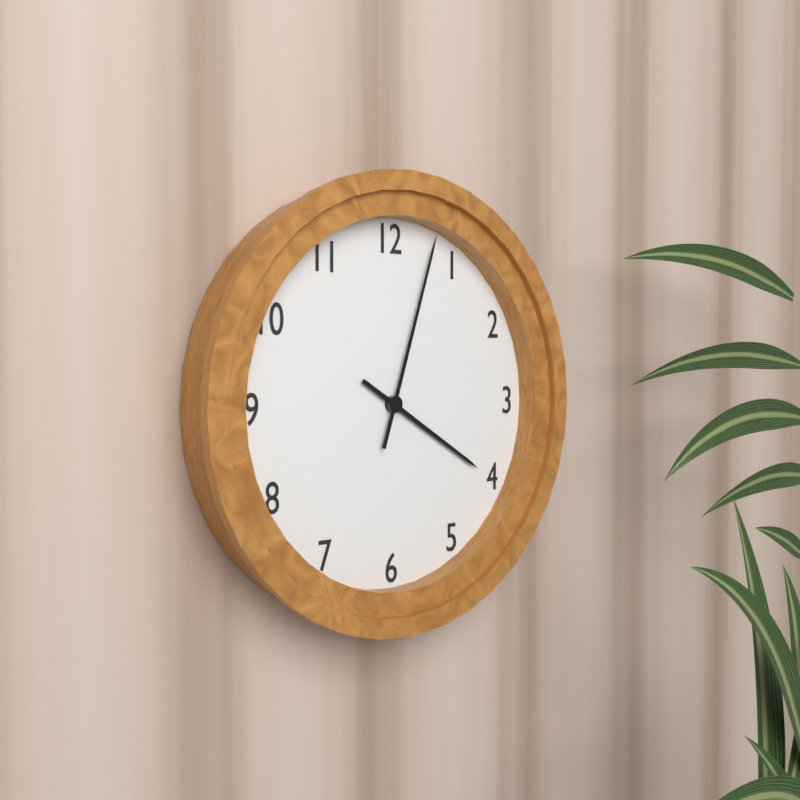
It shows 4,03
